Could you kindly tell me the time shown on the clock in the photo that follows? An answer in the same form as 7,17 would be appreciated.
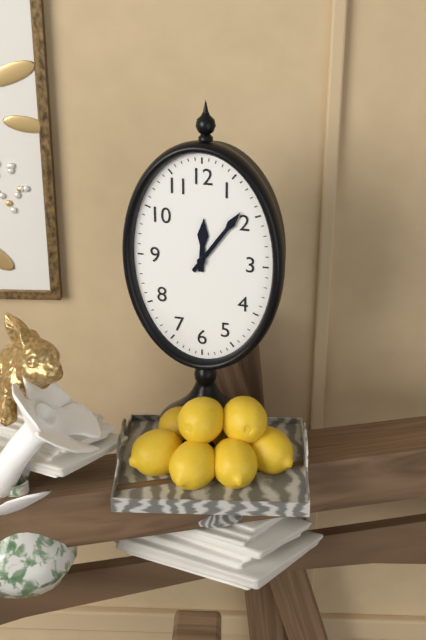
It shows 12,06
